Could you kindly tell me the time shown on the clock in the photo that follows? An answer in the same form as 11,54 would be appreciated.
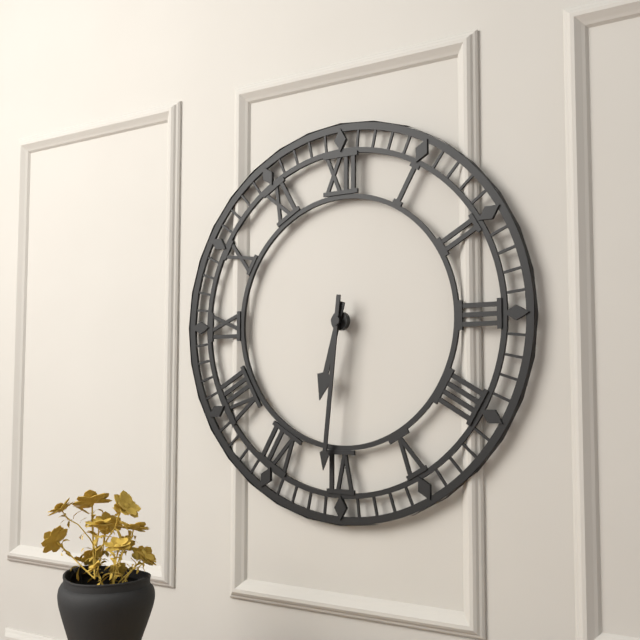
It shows 6,31
